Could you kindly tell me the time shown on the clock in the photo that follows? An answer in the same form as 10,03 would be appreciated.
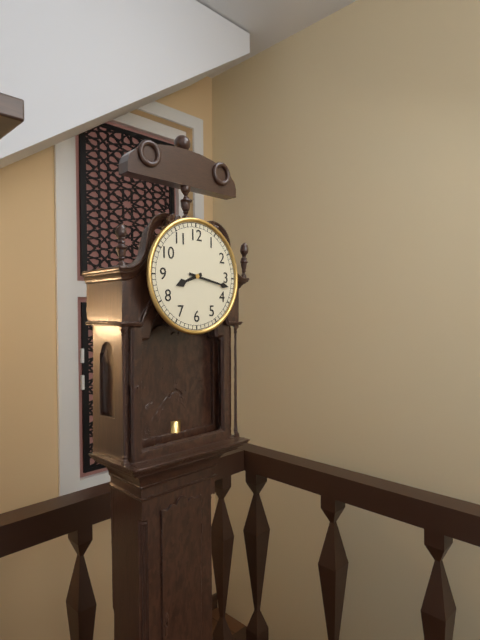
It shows 8,17
